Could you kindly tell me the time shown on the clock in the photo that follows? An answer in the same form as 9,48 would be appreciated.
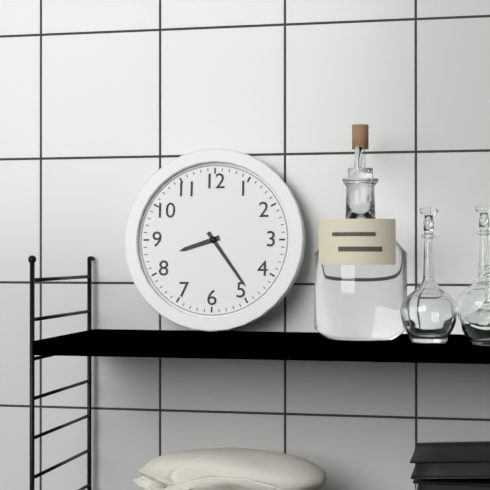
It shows 8,24
